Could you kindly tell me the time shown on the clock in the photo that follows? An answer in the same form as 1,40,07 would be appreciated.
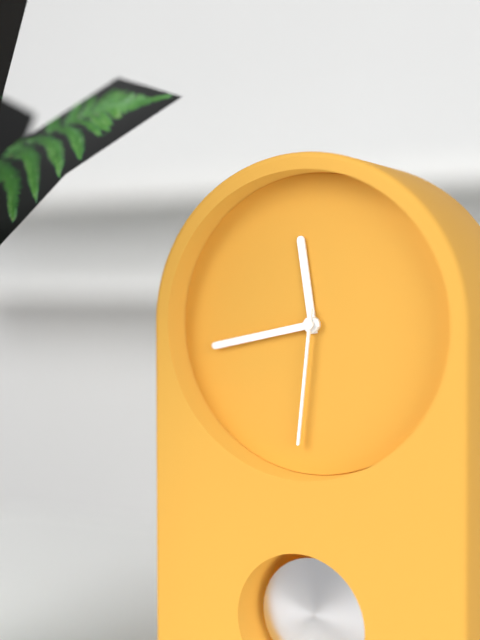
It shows 11,43,31
